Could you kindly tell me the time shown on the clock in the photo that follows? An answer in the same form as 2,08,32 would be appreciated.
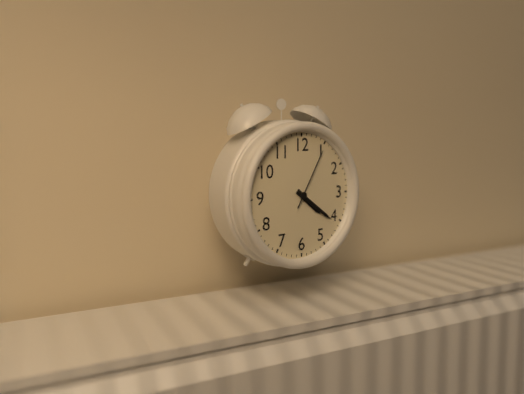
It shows 4,21,05
